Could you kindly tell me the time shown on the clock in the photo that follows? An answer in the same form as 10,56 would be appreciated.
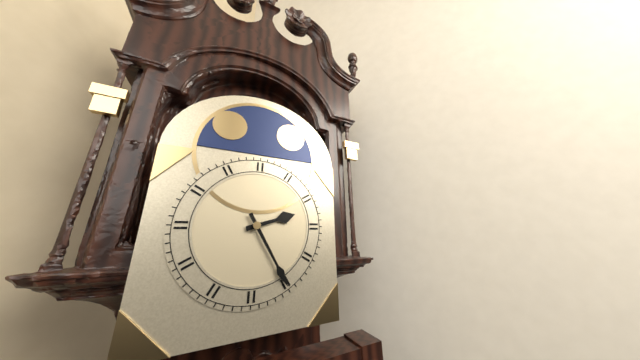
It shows 2,25
